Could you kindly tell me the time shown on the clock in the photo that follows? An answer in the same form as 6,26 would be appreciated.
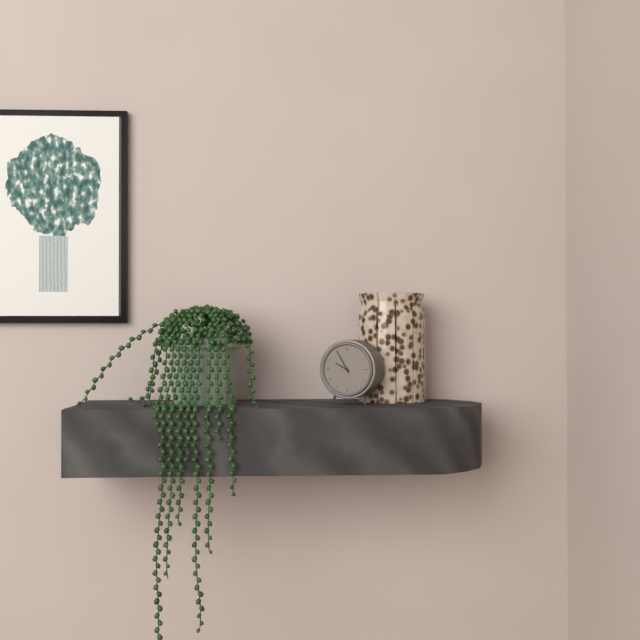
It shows 9,55
